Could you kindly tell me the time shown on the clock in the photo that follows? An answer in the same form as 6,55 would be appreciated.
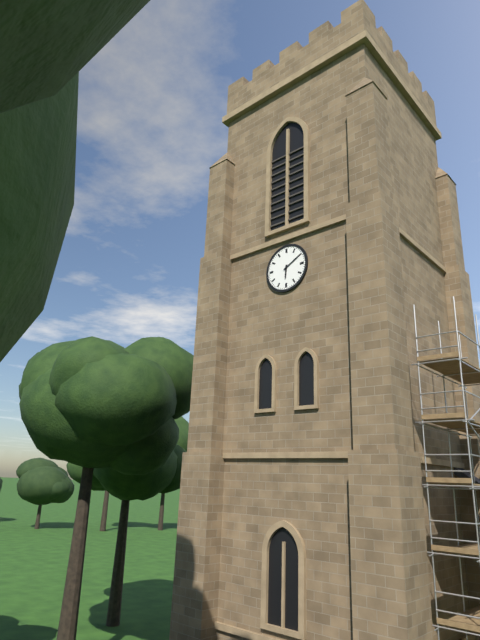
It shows 6,10
